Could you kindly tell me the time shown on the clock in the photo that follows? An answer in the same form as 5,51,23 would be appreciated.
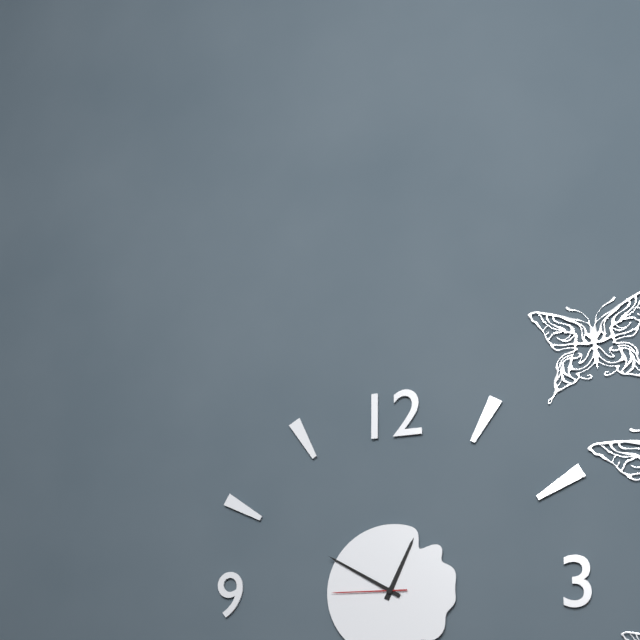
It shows 12,50,45
